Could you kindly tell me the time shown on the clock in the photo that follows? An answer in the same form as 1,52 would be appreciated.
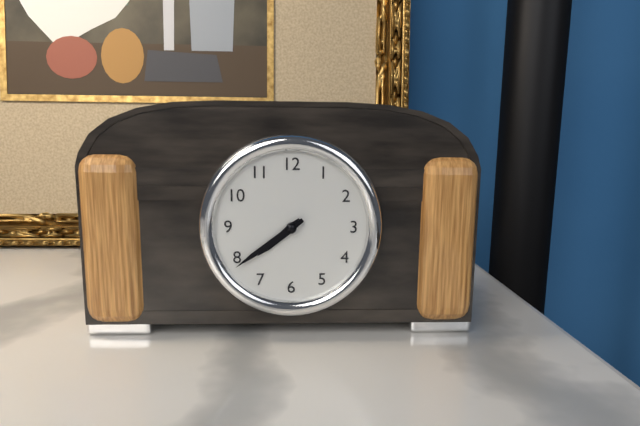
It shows 7,39
